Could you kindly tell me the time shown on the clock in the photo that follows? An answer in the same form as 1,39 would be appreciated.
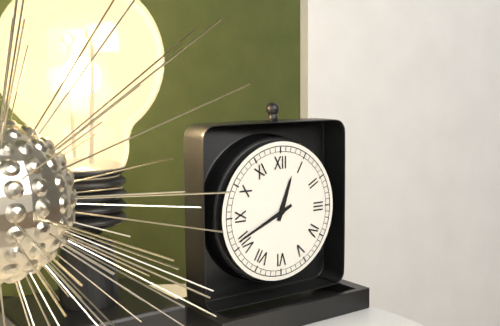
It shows 12,41
